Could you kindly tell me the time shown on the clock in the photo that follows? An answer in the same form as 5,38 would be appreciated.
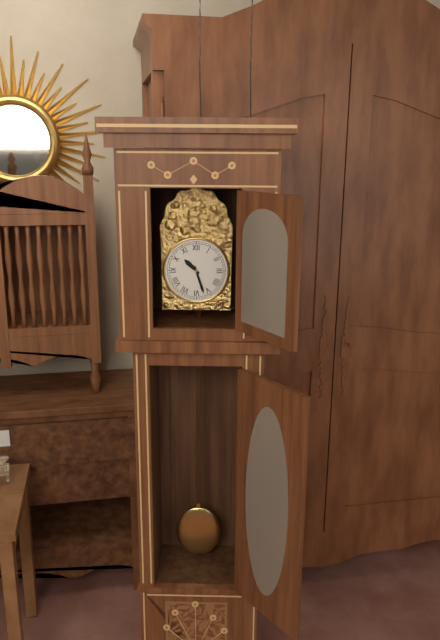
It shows 10,27
